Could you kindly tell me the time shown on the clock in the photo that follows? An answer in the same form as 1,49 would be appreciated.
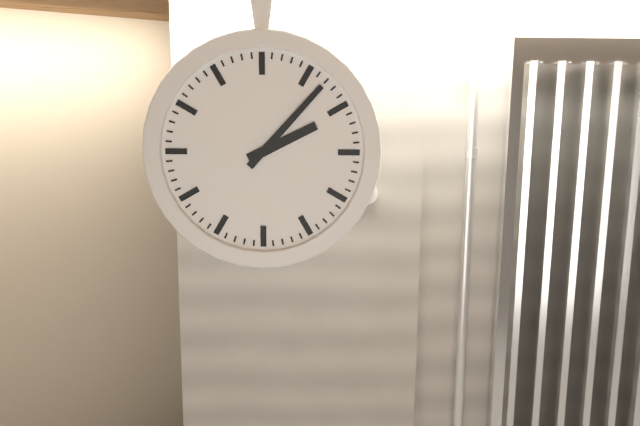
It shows 2,07
